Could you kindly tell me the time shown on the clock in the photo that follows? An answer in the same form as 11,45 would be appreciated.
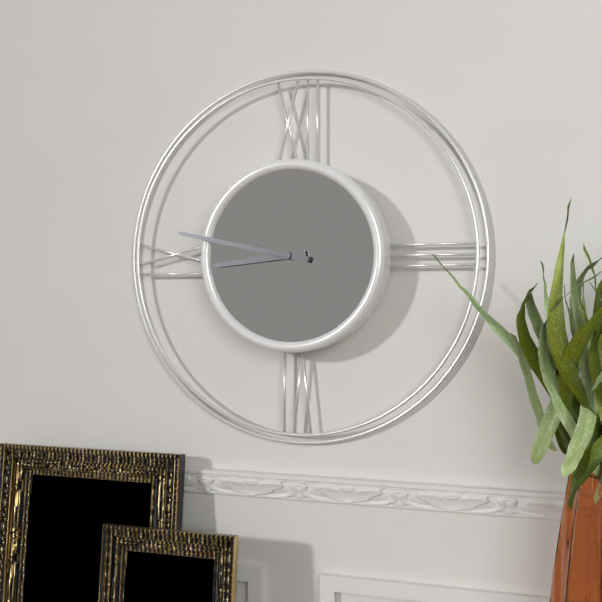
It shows 8,47
